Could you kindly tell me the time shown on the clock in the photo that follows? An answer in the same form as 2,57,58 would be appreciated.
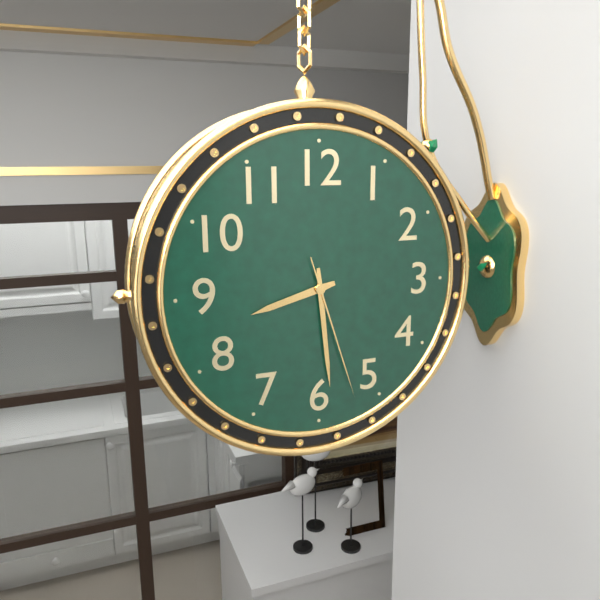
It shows 8,29,27
